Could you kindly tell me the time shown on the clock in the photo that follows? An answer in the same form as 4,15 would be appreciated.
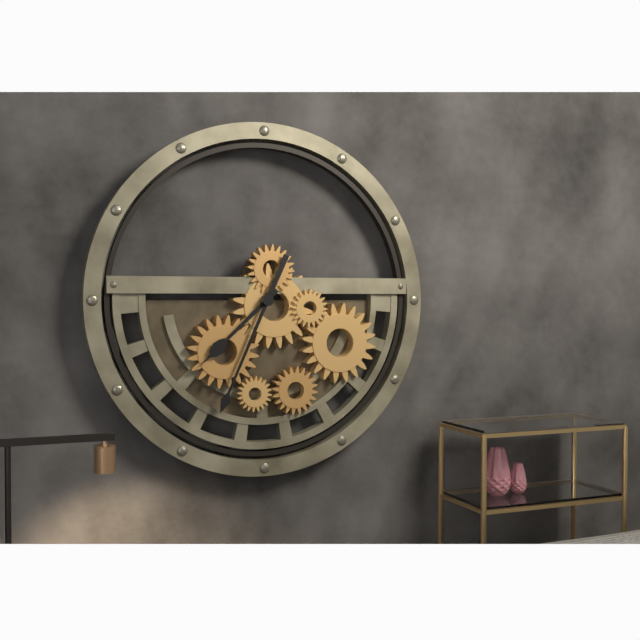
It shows 7,34
